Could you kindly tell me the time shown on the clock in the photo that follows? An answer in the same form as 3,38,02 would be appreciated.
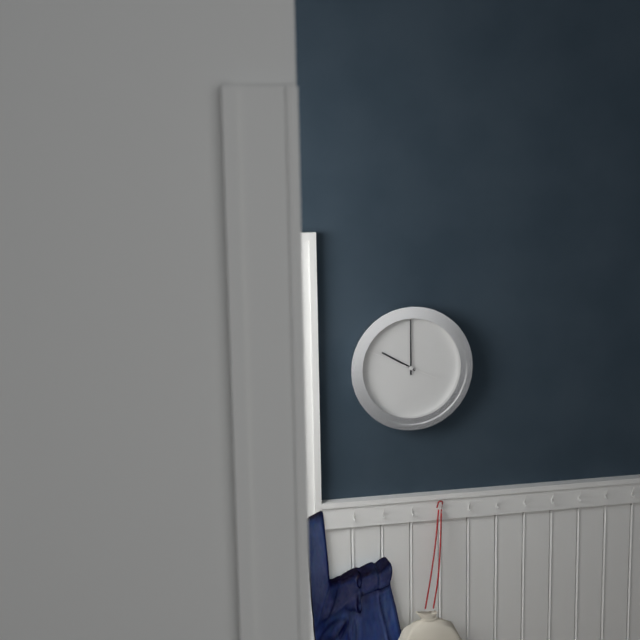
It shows 10,00,49
